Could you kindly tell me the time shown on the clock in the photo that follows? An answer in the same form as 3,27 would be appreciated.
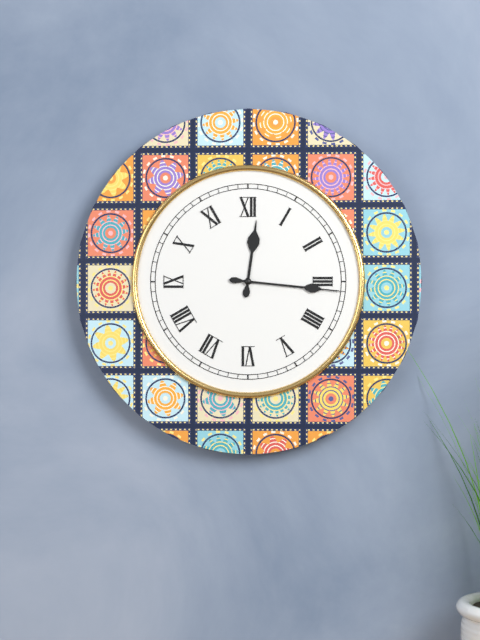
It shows 12,16
